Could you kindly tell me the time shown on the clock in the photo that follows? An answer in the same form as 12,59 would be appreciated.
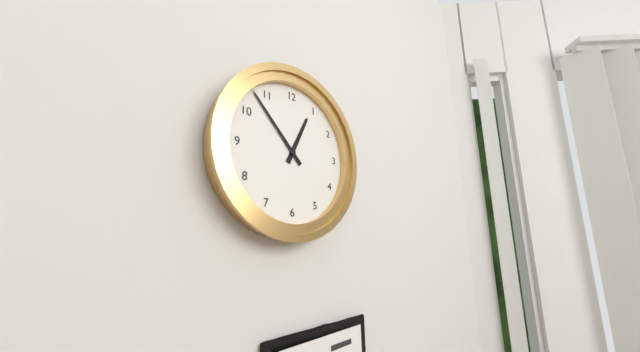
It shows 12,53
